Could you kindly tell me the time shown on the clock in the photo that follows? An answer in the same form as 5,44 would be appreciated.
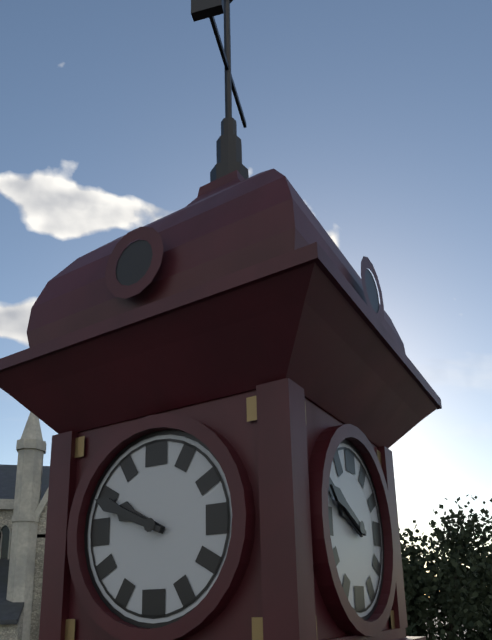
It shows 9,49
